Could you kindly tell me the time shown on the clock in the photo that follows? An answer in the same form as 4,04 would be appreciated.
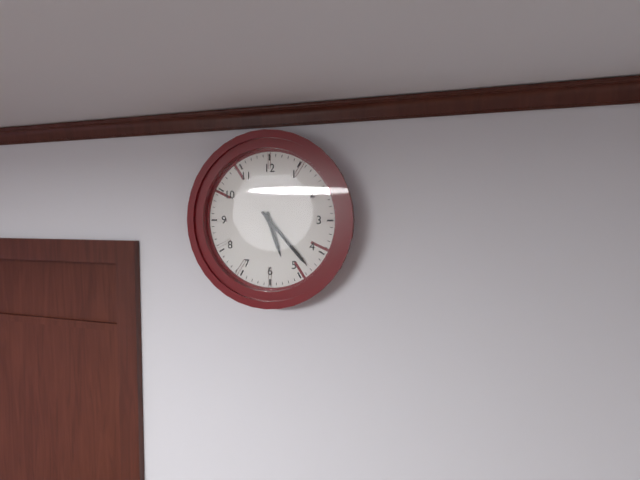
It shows 5,23
